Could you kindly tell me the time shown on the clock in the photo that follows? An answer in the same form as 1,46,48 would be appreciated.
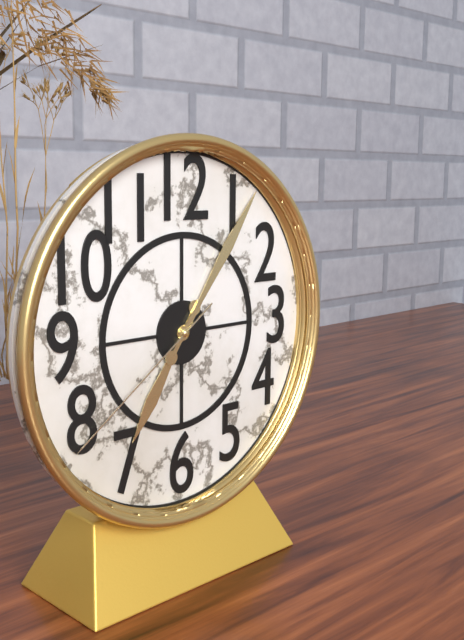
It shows 7,06,39
